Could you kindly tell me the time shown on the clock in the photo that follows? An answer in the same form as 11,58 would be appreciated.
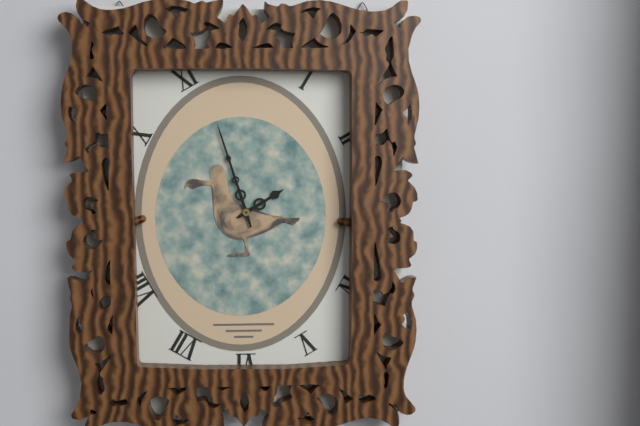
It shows 1,57
